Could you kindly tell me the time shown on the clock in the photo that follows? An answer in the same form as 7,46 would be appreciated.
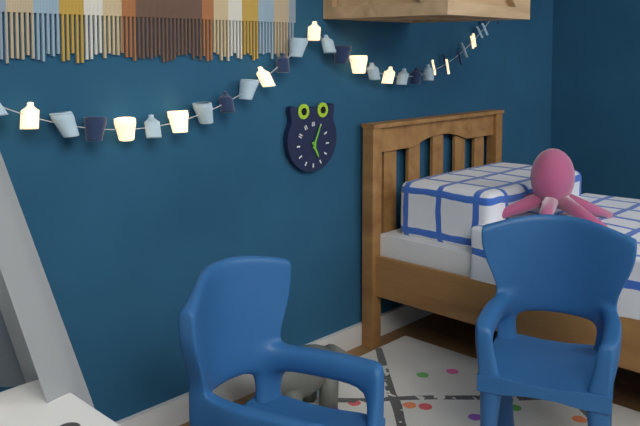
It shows 5,04
